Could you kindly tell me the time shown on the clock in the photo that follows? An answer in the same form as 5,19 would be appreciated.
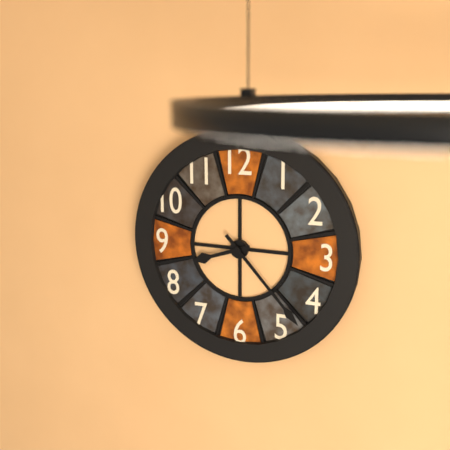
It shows 8,23
